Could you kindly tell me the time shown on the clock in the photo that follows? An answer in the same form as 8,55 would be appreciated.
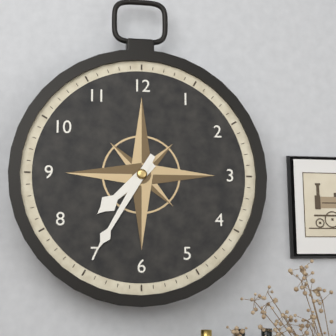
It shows 7,35
